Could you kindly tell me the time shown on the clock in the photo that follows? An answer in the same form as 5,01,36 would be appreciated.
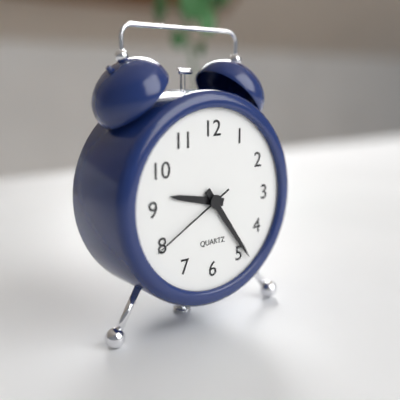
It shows 9,24,40
